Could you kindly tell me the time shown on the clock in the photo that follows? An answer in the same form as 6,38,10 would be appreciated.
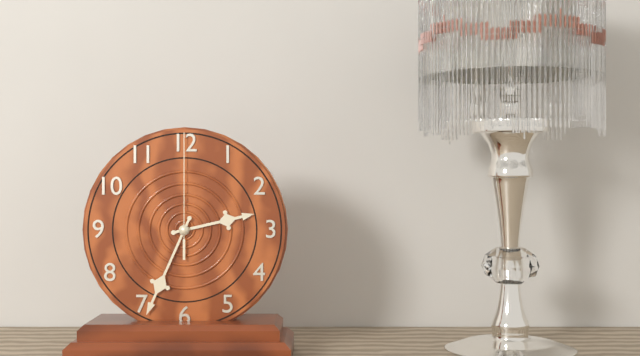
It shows 2,34,00
